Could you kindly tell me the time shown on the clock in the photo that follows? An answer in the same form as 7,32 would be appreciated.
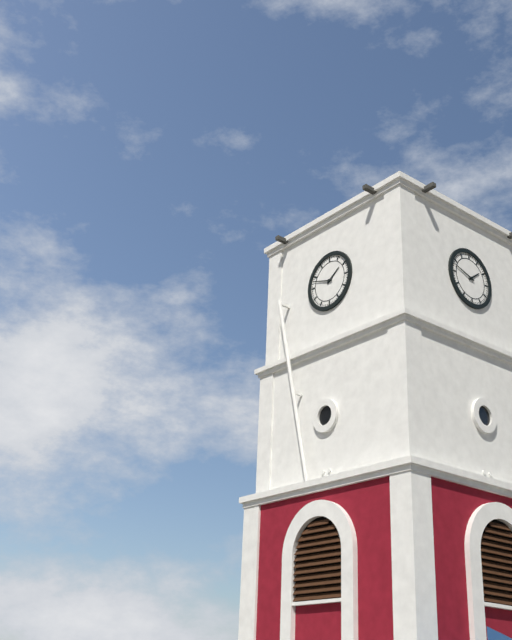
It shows 1,48
